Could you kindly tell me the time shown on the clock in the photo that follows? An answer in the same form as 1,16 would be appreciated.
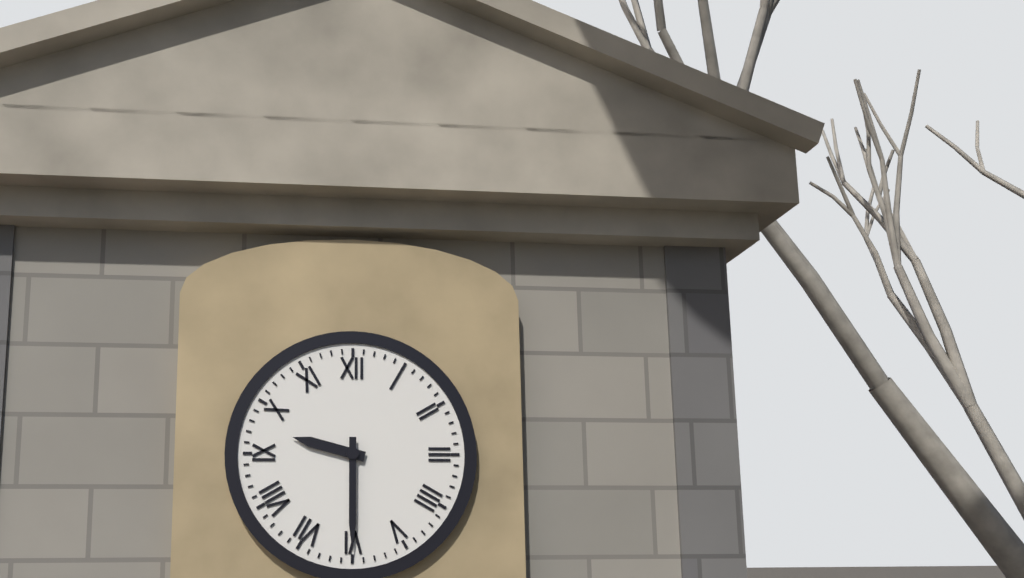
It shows 9,30
